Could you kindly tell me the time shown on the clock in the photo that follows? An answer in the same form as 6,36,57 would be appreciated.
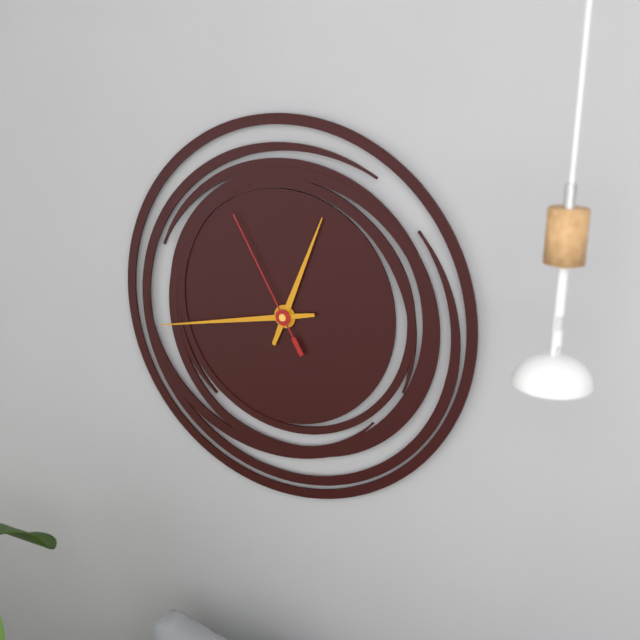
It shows 12,43,55
